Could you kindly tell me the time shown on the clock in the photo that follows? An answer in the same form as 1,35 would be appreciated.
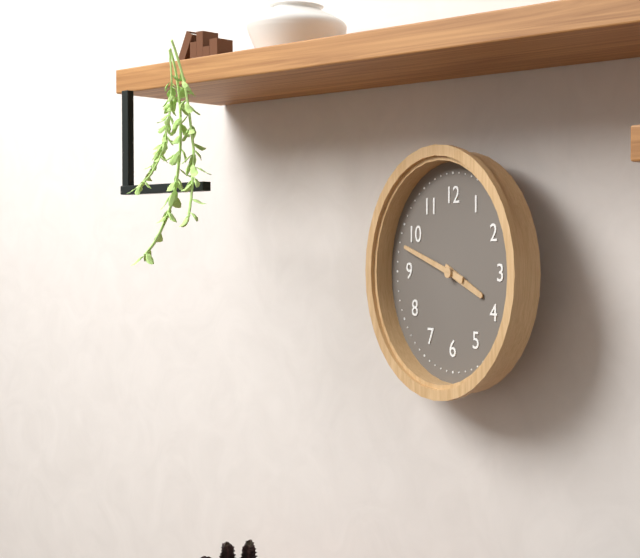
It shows 3,48
